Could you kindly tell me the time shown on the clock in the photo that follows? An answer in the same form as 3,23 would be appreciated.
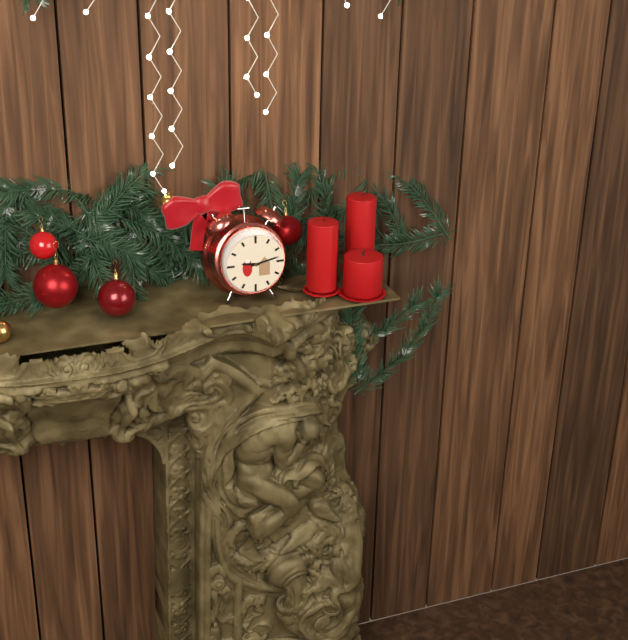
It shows 9,13
